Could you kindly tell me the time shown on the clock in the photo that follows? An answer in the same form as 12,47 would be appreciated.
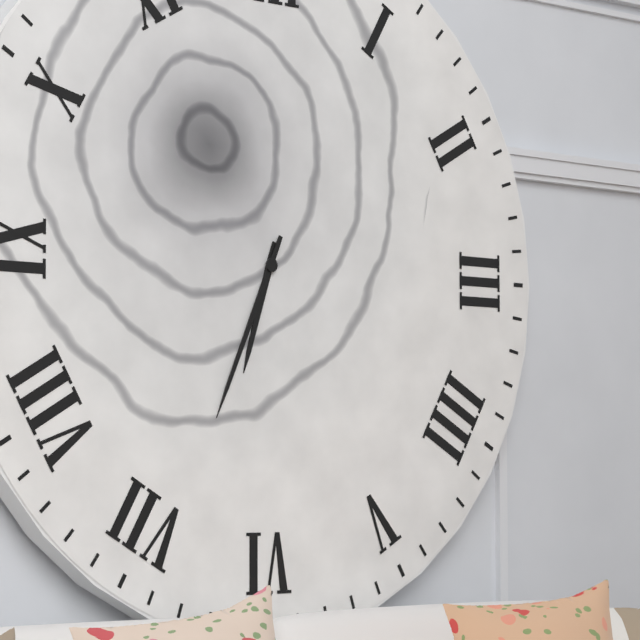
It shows 6,34
